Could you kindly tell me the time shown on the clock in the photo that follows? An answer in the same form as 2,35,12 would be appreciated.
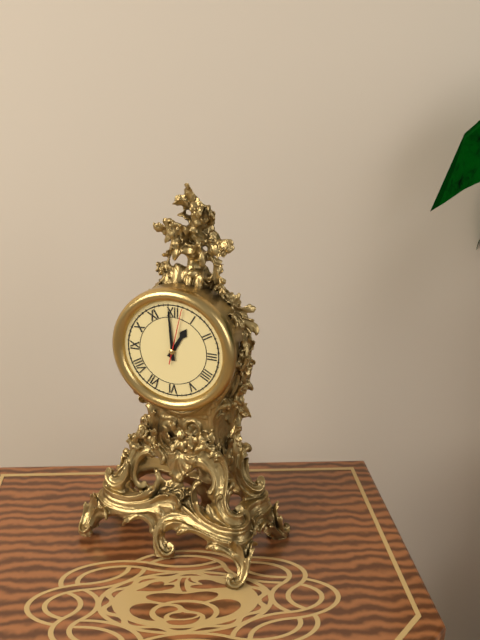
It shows 12,59,02
